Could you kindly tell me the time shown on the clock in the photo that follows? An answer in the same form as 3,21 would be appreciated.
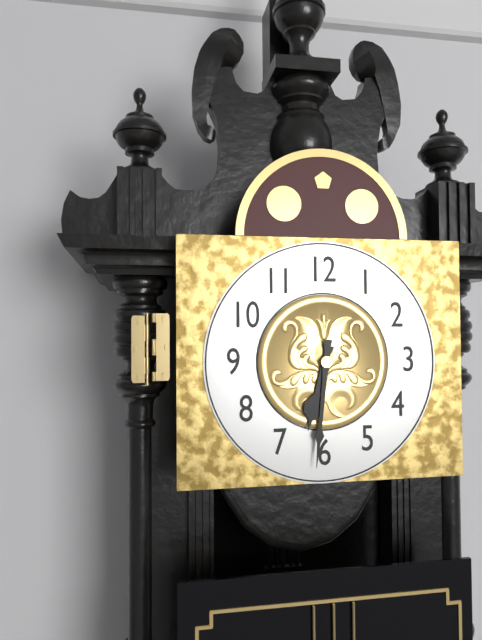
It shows 6,31
